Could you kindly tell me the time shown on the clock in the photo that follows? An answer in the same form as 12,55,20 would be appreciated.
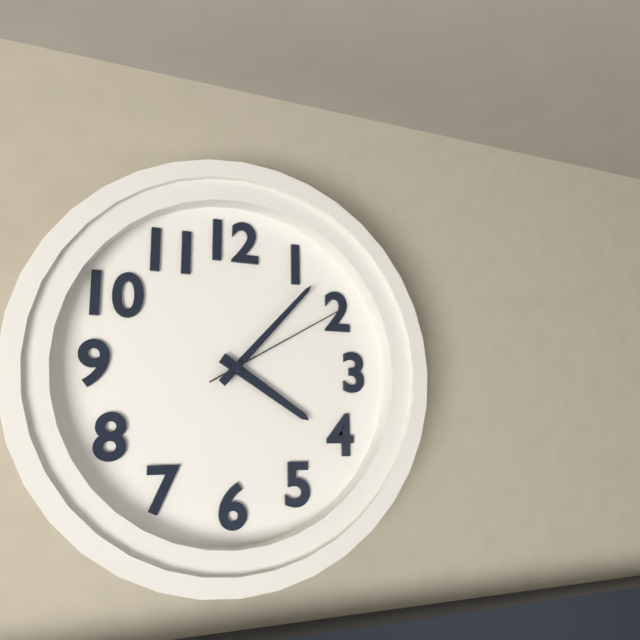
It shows 4,07,10
